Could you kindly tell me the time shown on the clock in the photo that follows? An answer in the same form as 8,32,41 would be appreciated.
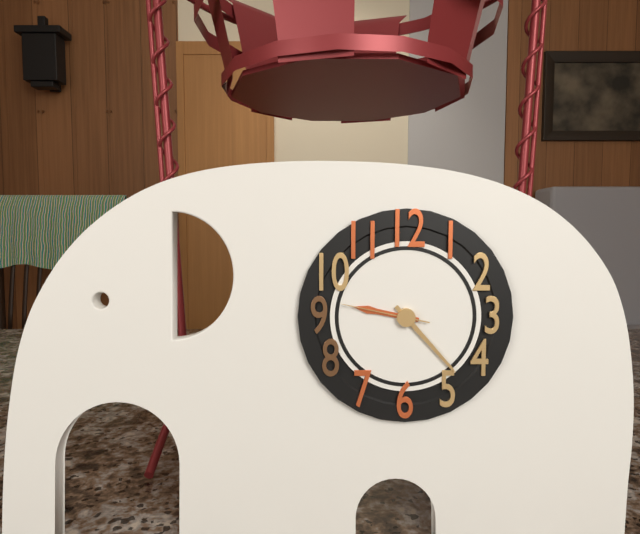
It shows 9,23,47
